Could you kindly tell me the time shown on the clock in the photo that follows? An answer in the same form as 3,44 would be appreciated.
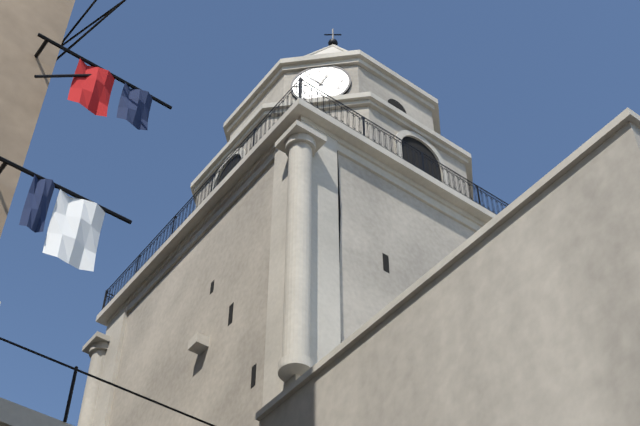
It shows 12,53
